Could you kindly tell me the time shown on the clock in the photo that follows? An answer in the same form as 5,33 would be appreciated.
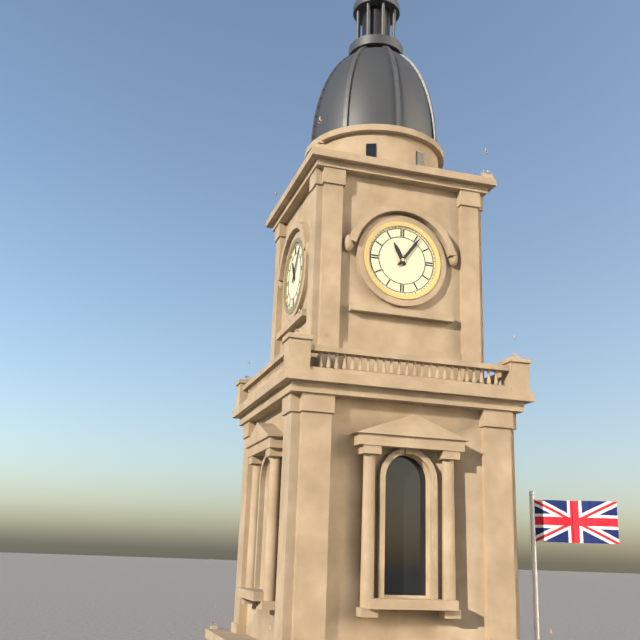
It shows 11,06
